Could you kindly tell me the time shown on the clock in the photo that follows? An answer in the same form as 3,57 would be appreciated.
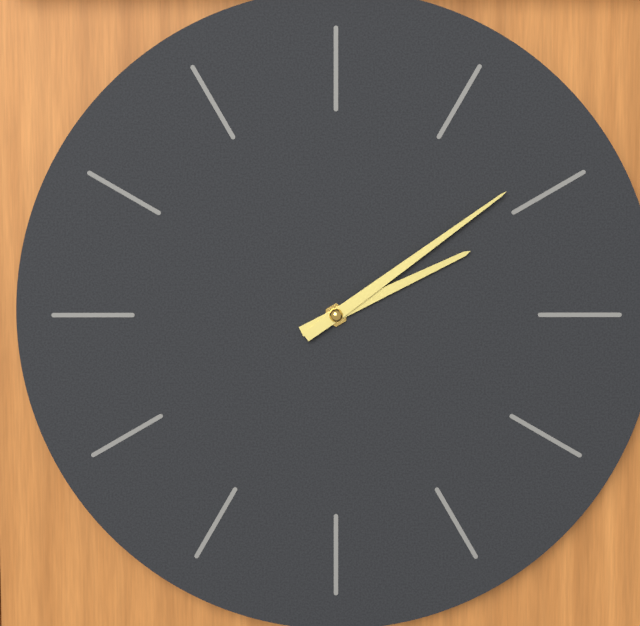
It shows 2,09
